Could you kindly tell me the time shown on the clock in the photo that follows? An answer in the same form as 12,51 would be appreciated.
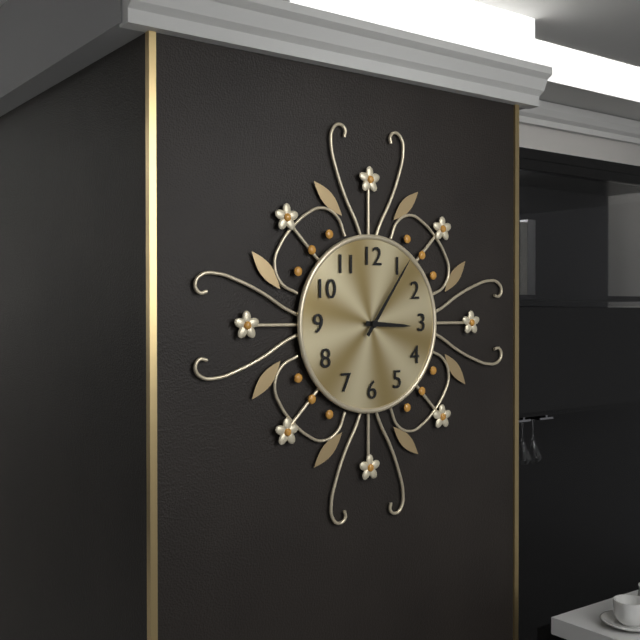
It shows 3,06
